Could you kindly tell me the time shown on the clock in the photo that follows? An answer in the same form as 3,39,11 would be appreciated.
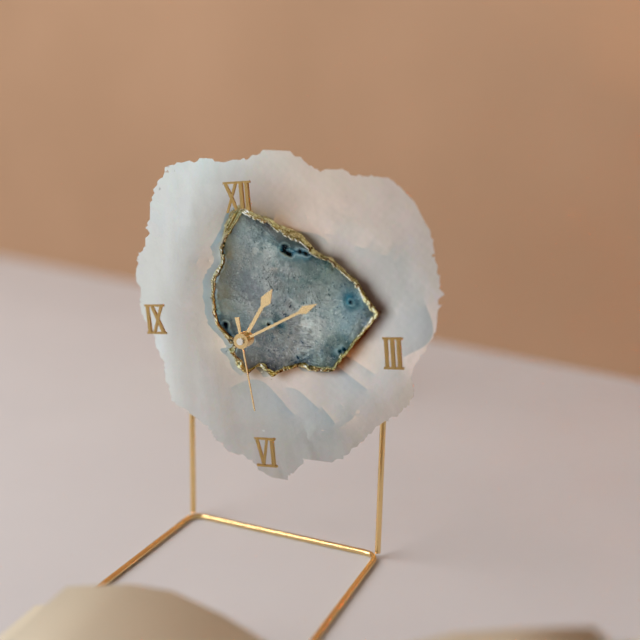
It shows 1,11,29
